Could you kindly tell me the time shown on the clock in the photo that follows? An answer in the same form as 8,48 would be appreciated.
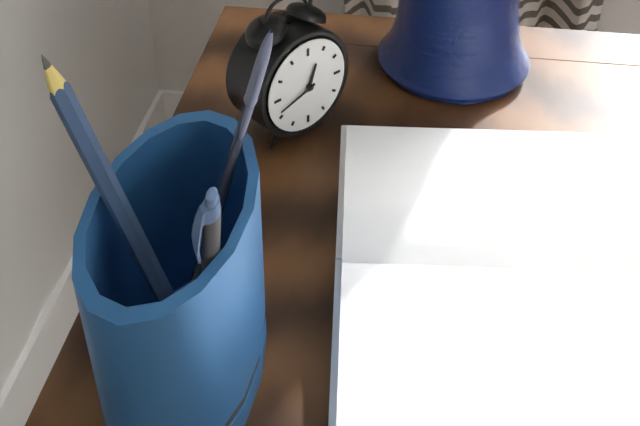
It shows 12,42
